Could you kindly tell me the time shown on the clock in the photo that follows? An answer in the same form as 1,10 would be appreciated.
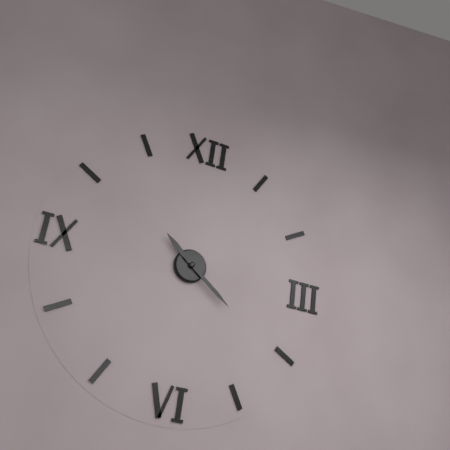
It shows 10,21
